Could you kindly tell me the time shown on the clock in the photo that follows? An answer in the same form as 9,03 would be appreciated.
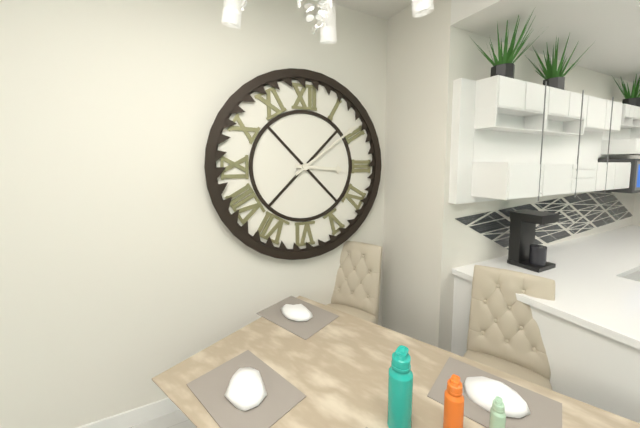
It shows 3,09
